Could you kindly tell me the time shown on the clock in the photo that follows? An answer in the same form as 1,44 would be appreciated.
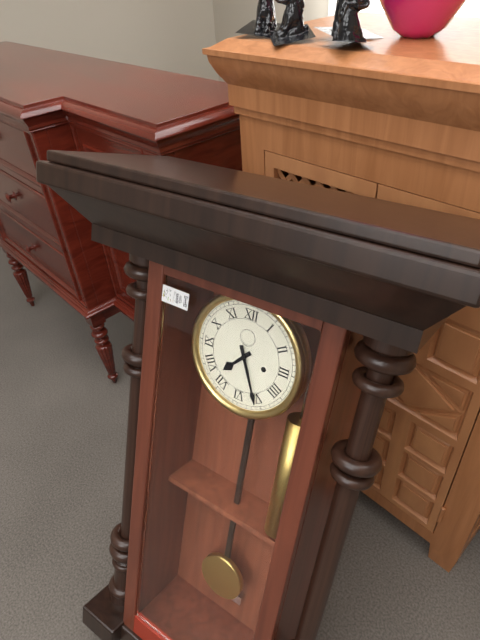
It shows 7,26
